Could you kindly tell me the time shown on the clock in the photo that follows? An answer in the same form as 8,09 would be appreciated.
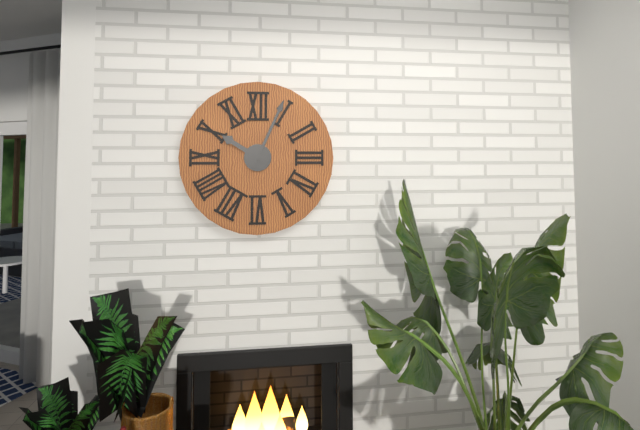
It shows 10,04
